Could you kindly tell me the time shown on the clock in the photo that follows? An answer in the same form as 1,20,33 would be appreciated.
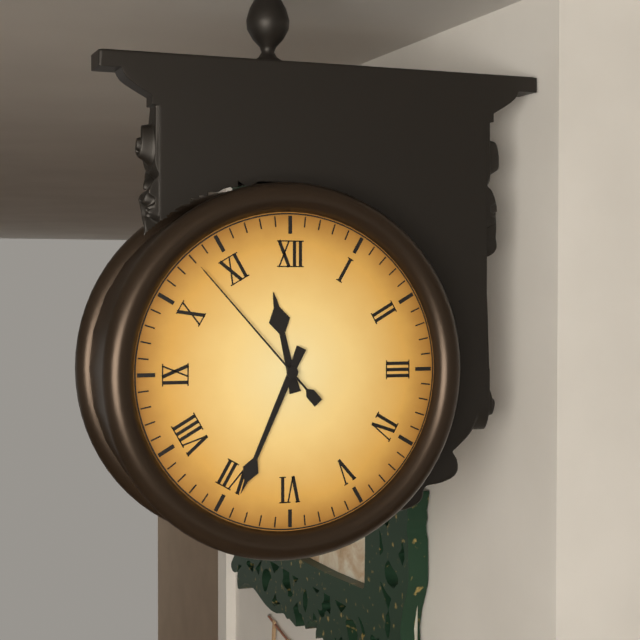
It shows 11,34,53
